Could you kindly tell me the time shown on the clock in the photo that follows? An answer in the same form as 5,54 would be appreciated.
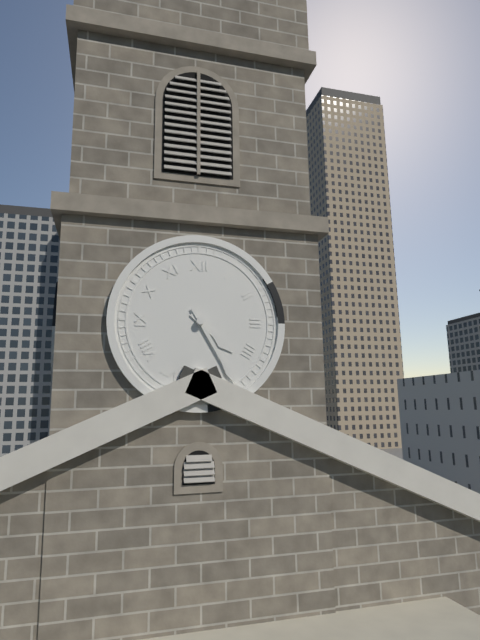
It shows 4,25
